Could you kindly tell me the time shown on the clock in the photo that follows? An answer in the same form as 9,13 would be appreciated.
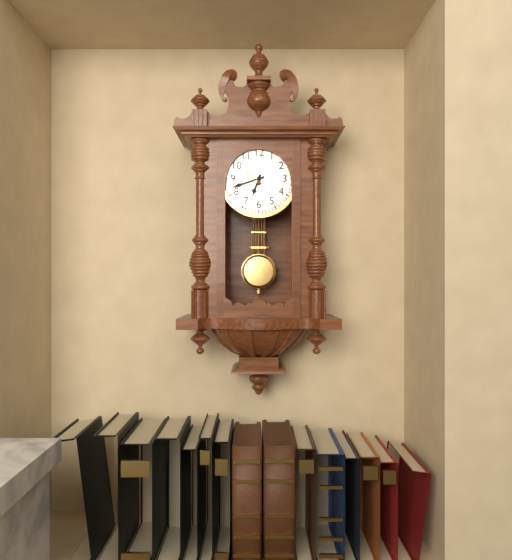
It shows 6,42
